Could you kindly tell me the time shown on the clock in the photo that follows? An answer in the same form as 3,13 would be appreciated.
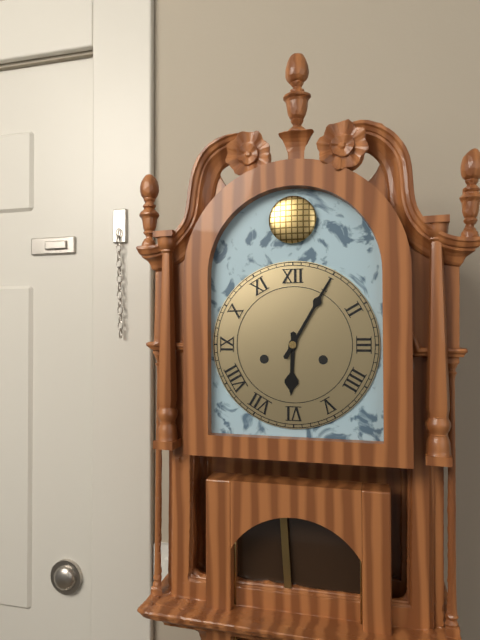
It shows 6,05
